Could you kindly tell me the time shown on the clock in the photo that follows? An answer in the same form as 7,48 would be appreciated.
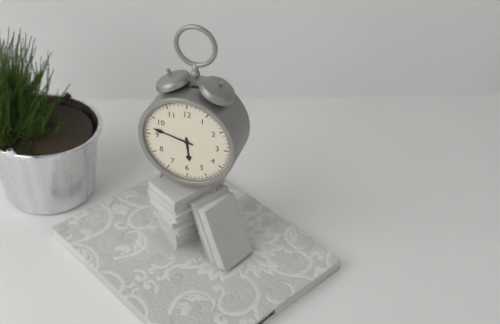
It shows 5,47
